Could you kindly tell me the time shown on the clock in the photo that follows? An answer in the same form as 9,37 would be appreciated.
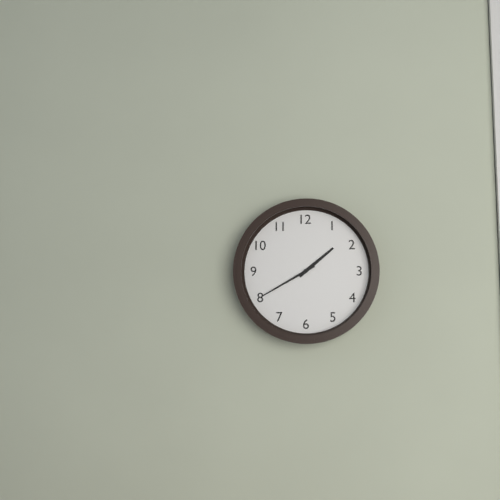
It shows 1,40
